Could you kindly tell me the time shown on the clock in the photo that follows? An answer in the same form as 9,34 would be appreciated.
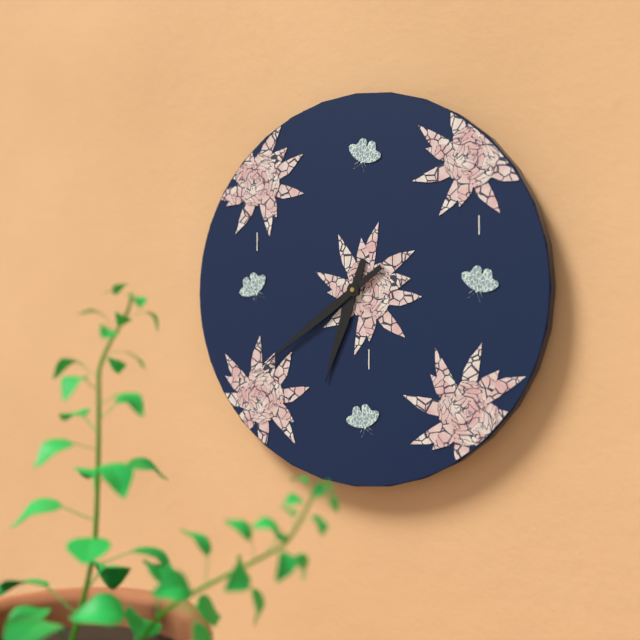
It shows 6,39
